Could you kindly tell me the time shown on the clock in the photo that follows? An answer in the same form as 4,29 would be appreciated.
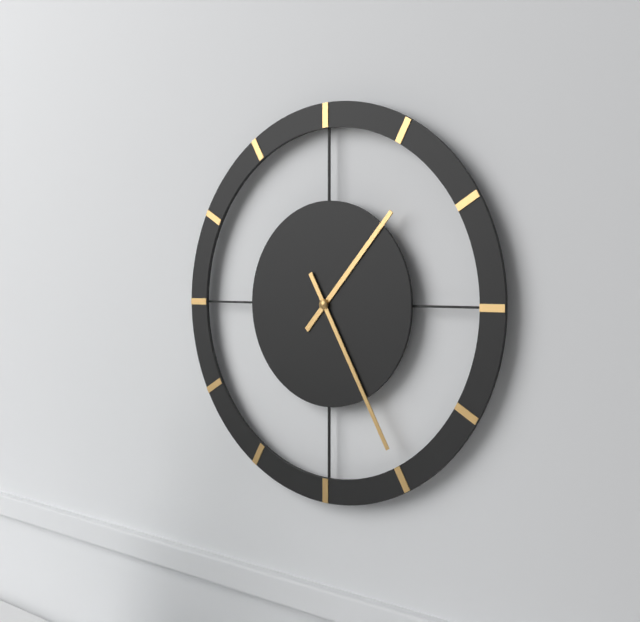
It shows 1,25
